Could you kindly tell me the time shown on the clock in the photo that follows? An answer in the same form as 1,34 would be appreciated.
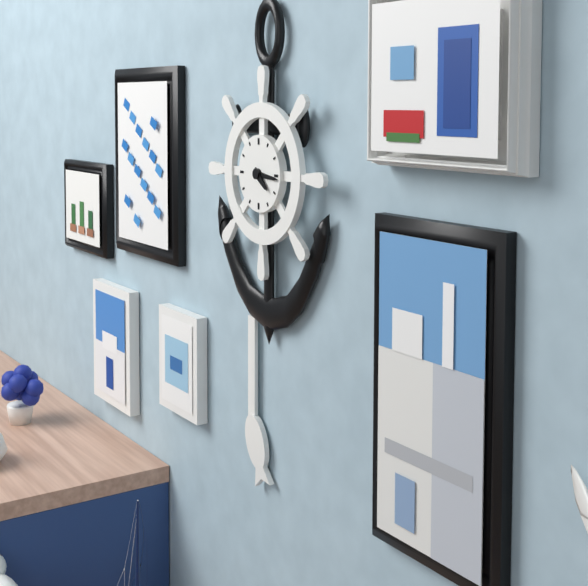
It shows 4,16
